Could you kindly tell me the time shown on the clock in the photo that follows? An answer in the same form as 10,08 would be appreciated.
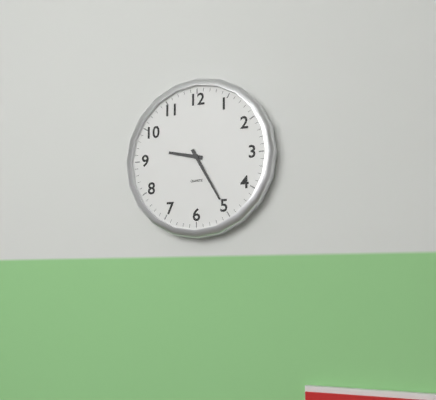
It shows 9,25
